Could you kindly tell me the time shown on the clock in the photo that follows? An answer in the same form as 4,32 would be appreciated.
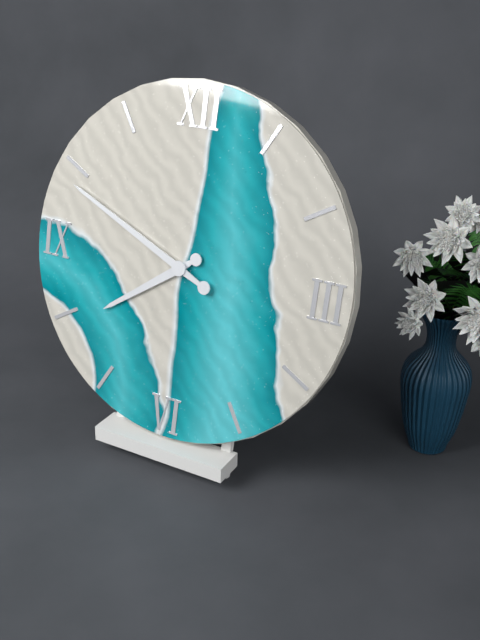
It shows 7,49
